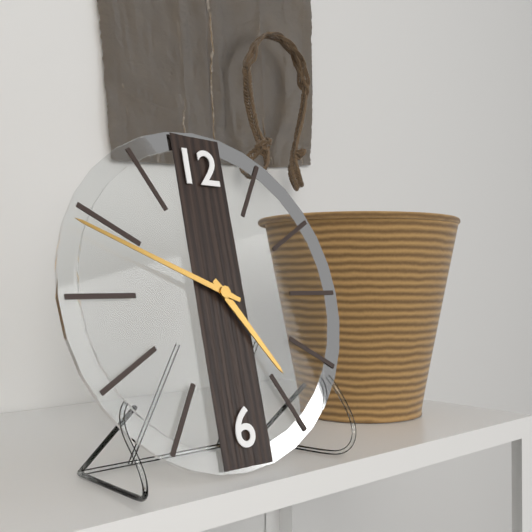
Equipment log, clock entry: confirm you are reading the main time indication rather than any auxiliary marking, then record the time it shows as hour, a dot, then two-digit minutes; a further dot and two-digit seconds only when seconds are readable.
4.49
